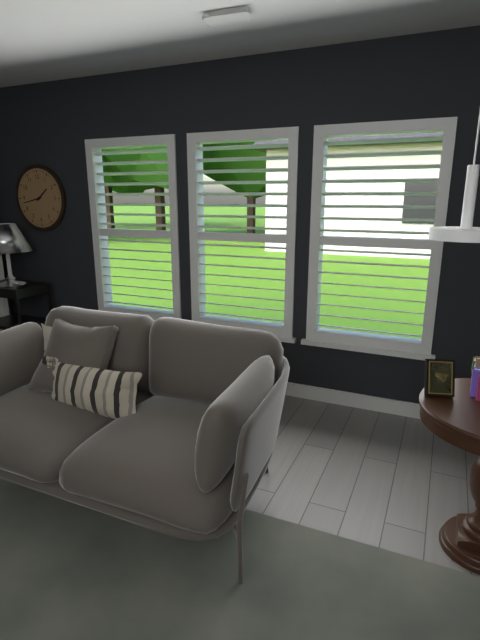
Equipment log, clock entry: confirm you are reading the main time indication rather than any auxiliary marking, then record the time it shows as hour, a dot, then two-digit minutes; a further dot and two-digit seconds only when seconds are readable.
1.43
